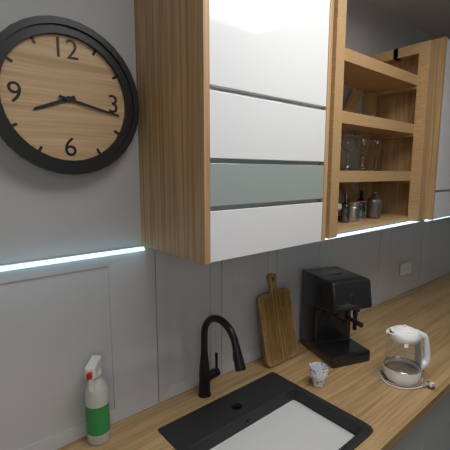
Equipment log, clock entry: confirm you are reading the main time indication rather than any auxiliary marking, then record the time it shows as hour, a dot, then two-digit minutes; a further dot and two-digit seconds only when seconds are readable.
8.17
